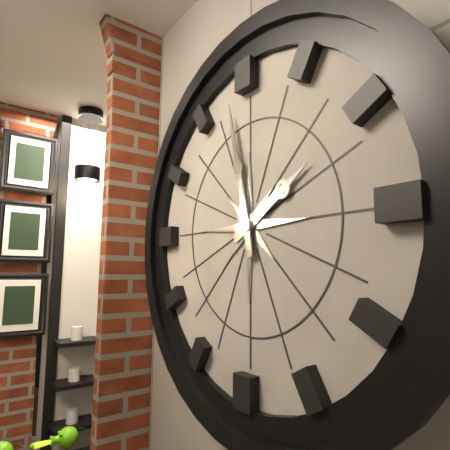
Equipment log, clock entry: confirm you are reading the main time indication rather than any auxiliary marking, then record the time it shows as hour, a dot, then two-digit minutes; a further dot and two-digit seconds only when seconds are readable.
1.58
